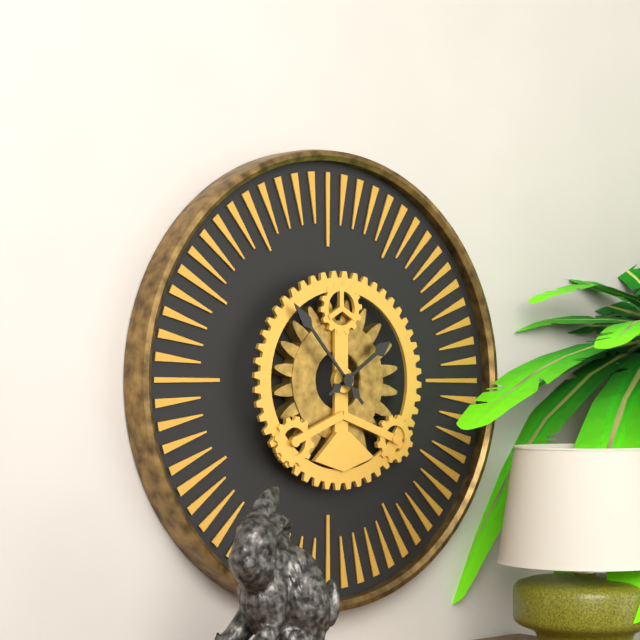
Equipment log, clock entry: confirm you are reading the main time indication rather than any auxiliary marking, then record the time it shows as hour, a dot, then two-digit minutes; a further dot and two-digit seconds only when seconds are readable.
1.53
